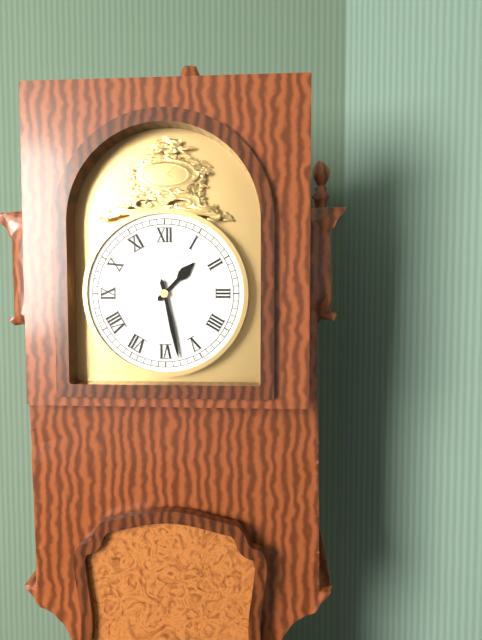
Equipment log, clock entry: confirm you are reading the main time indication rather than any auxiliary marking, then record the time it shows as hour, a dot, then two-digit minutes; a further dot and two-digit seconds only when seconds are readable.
1.28
